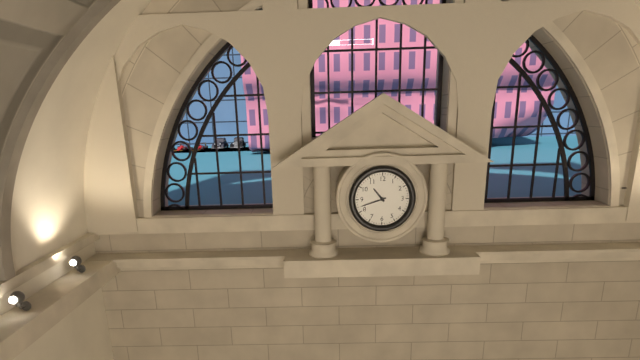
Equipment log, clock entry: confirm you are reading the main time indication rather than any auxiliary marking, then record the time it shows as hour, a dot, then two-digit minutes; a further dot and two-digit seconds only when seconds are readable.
10.42
